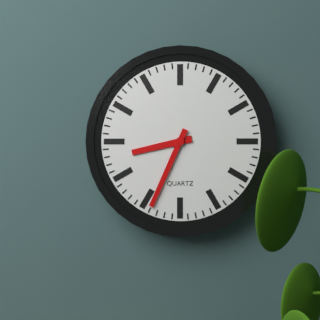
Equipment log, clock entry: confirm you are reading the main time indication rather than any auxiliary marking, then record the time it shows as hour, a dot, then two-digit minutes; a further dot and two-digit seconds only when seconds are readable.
8.34
